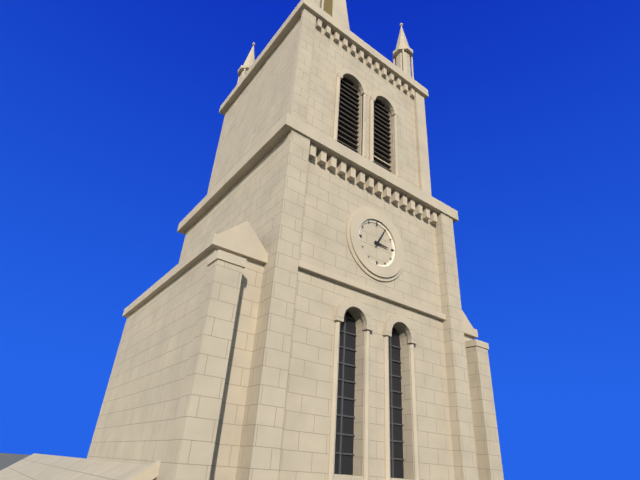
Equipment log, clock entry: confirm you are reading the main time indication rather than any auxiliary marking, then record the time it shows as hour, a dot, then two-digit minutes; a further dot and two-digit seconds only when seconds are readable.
3.05
